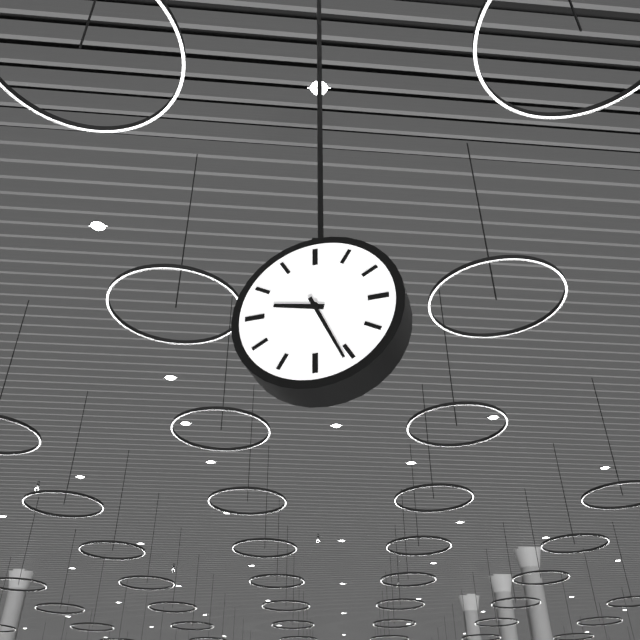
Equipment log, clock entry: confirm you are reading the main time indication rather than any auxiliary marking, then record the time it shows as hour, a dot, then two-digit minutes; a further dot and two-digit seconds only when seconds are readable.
9.26
